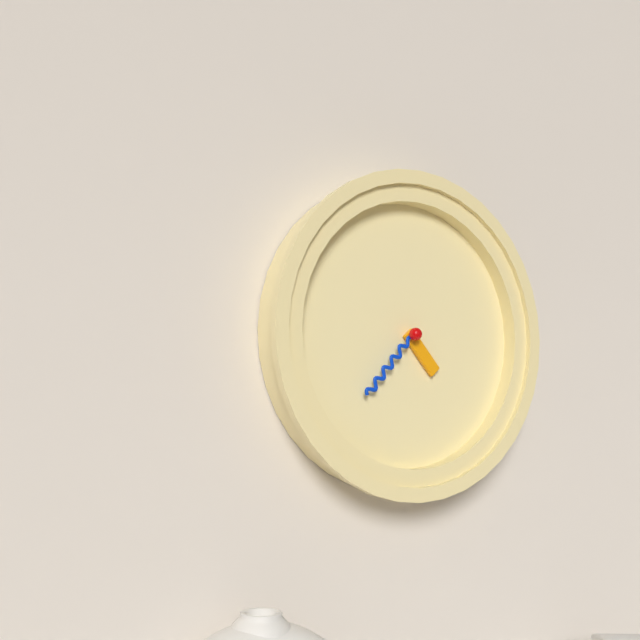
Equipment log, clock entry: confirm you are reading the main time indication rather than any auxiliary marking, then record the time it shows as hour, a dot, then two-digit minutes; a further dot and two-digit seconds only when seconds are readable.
4.37
